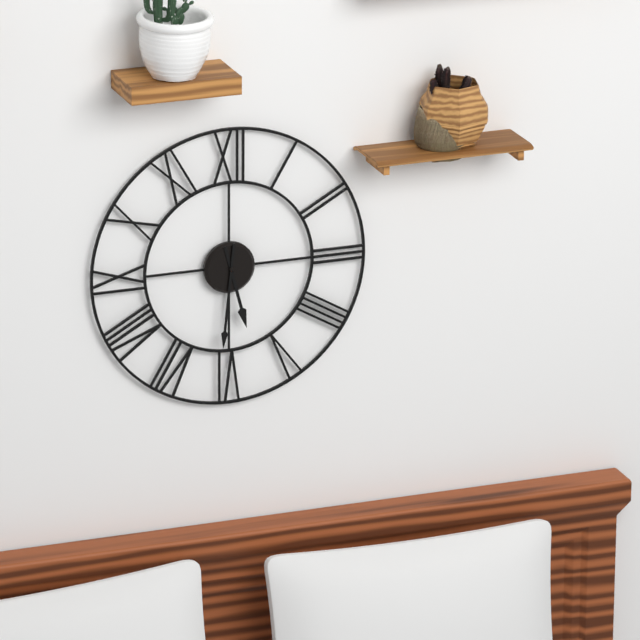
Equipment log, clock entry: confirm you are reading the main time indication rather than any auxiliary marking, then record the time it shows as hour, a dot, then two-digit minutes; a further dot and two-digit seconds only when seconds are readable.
5.31
